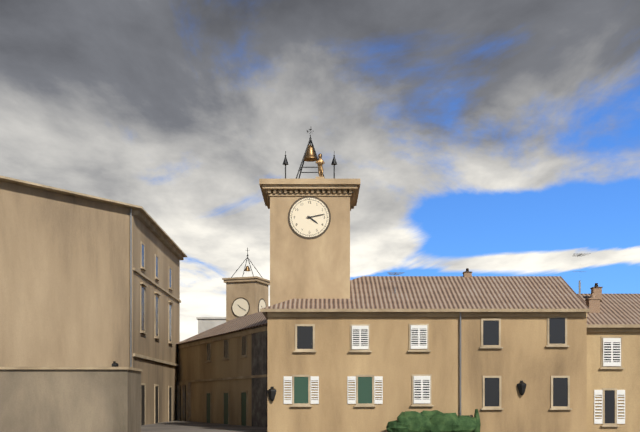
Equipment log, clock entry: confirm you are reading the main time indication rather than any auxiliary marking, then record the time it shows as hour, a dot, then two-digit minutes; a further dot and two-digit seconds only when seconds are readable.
4.13
